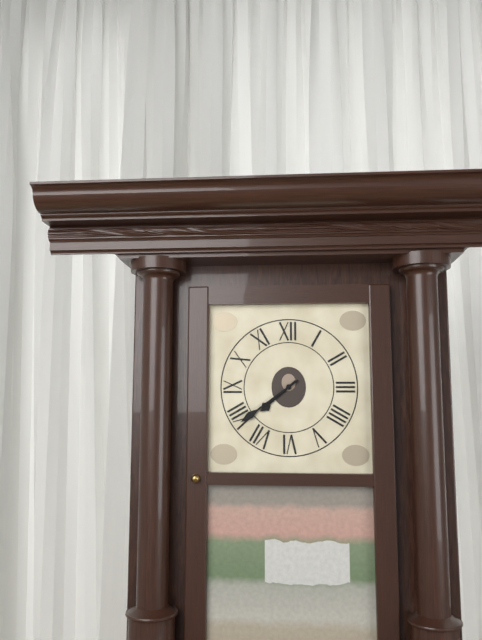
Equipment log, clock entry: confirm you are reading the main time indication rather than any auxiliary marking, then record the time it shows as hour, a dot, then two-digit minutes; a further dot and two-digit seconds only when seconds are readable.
7.39
